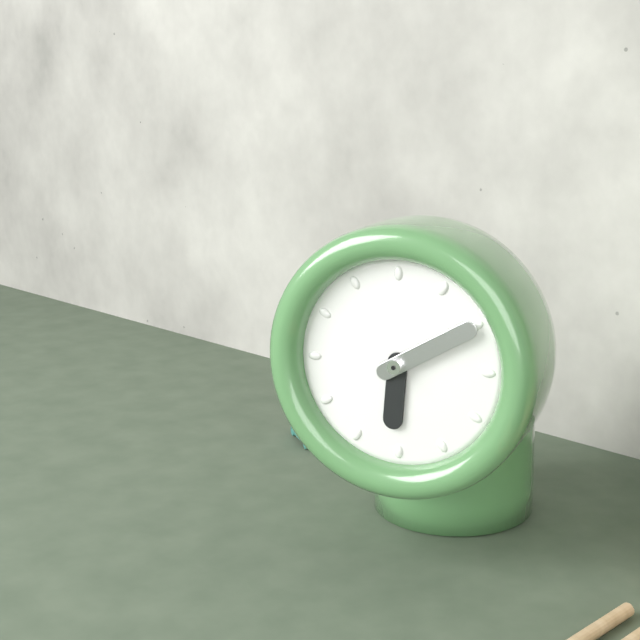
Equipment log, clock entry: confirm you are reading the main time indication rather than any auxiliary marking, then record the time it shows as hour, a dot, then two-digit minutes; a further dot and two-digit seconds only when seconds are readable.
6.10
